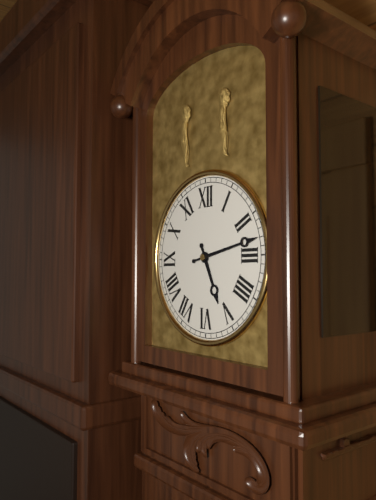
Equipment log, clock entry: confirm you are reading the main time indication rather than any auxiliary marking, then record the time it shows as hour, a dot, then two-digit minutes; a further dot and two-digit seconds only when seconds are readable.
5.13
